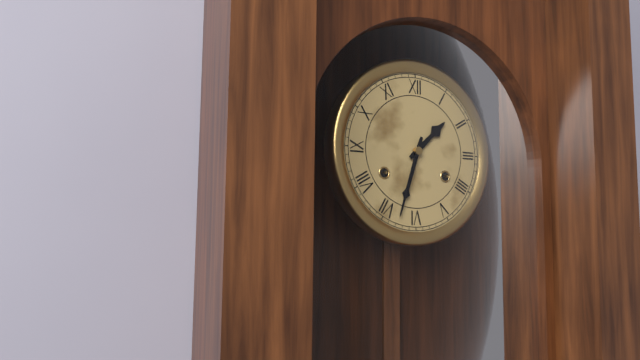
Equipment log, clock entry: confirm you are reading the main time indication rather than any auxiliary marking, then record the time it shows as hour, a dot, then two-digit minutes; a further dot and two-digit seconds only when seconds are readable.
1.33
